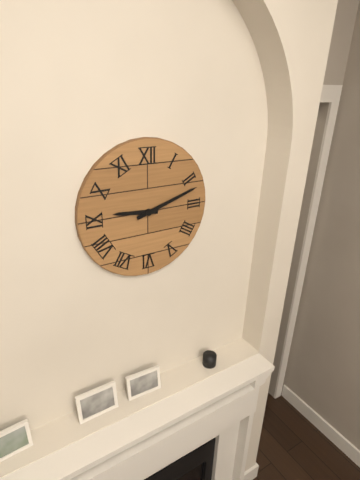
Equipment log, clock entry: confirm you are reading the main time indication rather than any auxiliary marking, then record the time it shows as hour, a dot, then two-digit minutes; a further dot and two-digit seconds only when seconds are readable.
9.12
